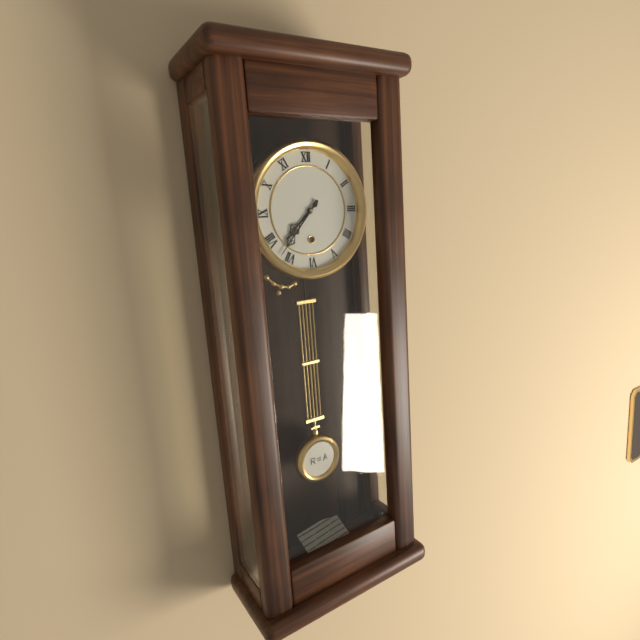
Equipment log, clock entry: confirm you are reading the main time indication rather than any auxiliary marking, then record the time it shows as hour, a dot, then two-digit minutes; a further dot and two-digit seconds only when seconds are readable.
7.37
